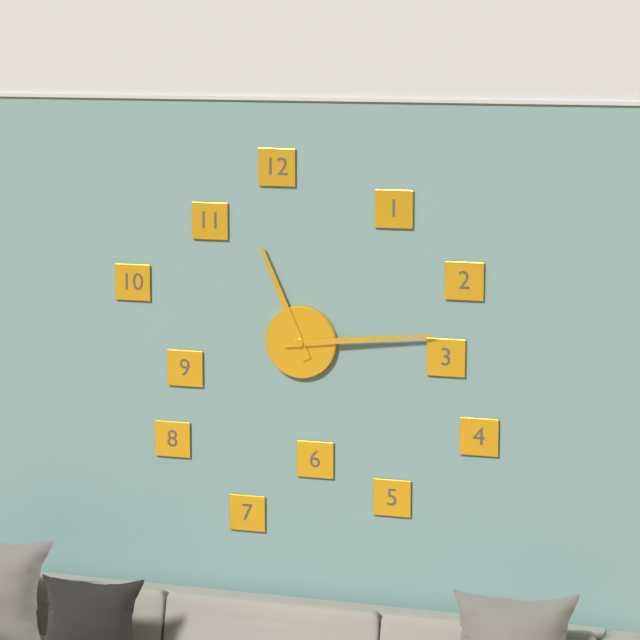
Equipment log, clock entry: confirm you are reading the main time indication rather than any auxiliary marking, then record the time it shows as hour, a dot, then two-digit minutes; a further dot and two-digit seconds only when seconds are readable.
11.14
